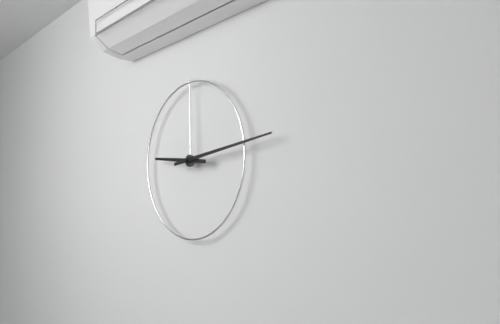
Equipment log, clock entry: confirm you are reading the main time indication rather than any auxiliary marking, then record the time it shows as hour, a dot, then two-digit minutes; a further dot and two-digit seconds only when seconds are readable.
9.14
